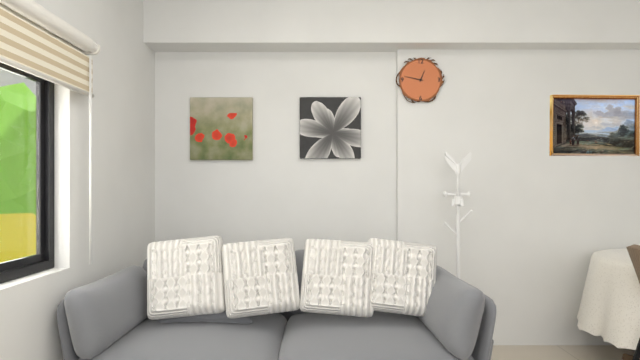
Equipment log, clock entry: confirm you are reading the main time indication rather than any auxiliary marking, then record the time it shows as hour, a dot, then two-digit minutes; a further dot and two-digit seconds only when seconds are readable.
12.47
